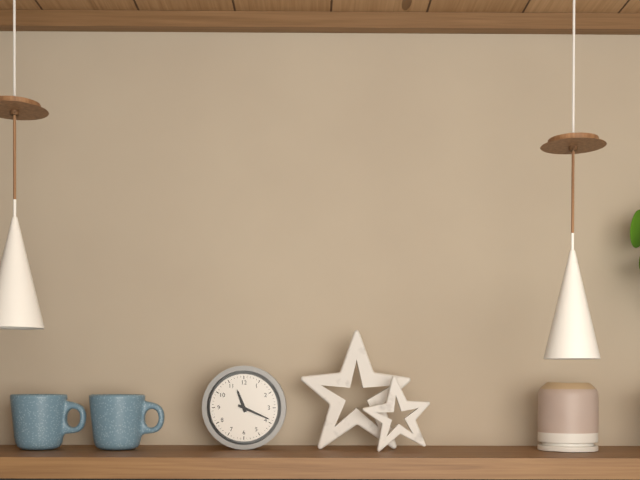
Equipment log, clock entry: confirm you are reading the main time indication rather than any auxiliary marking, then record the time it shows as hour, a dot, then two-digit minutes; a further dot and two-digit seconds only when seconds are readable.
11.19
